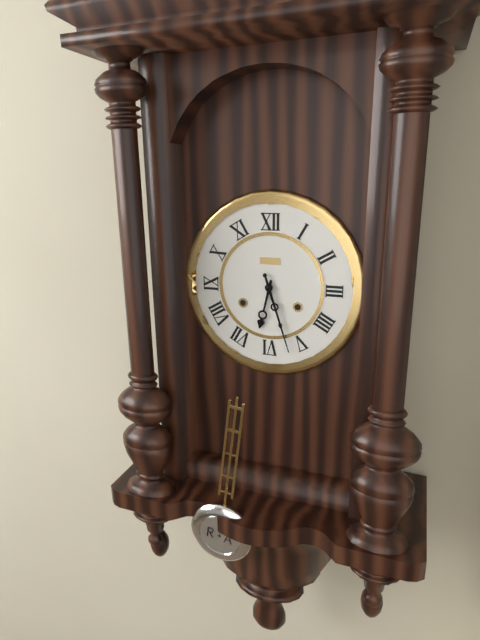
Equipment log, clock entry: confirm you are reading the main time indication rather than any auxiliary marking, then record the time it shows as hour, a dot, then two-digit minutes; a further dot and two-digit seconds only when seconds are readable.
6.27
